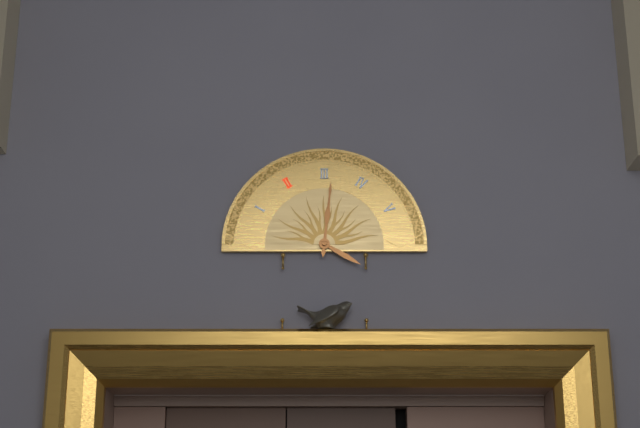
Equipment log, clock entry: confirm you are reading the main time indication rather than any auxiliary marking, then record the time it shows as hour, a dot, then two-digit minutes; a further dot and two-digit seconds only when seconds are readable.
4.01
